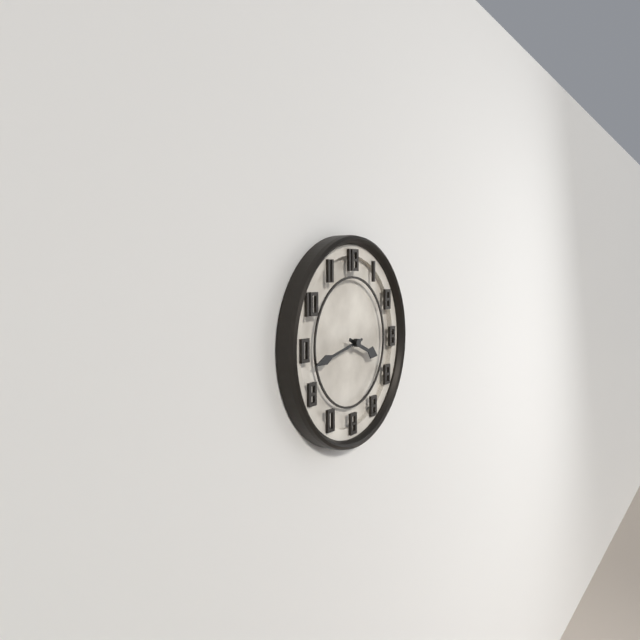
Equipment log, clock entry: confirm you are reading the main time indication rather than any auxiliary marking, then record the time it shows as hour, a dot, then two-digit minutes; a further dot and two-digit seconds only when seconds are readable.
3.43
